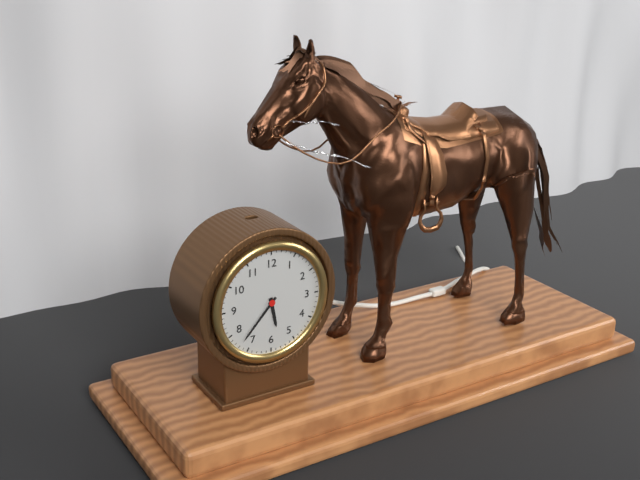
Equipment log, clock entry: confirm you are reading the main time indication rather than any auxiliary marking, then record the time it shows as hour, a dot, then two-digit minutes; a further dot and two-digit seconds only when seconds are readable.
5.37
